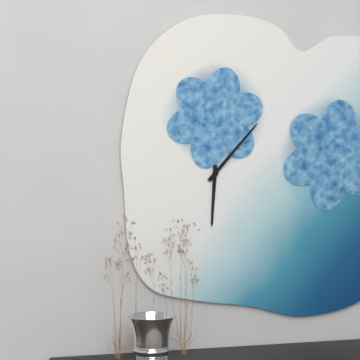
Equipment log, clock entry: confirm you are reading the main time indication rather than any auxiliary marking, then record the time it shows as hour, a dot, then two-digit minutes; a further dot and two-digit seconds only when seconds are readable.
6.07
